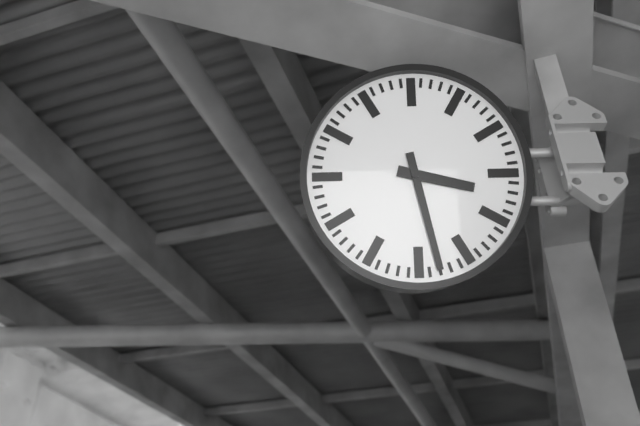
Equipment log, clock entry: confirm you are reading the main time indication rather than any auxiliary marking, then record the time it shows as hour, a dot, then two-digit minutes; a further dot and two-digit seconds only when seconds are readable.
3.28
